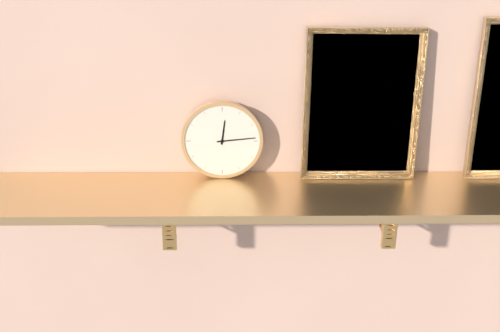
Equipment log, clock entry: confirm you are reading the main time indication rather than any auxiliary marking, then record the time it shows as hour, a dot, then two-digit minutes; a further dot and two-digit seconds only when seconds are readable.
12.14
